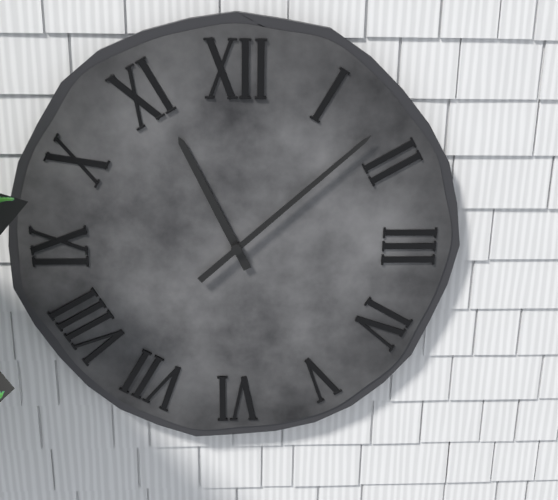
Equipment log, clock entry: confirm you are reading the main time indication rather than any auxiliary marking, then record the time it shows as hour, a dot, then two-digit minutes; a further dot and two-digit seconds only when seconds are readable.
11.08
